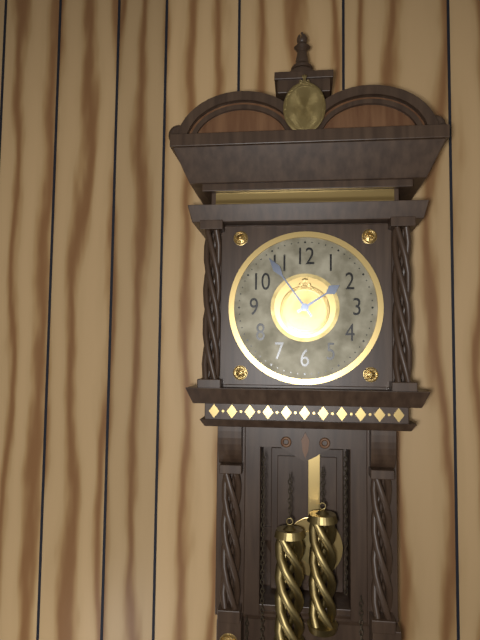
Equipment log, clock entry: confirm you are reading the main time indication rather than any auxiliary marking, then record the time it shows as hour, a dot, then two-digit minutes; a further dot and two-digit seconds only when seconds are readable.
1.54
